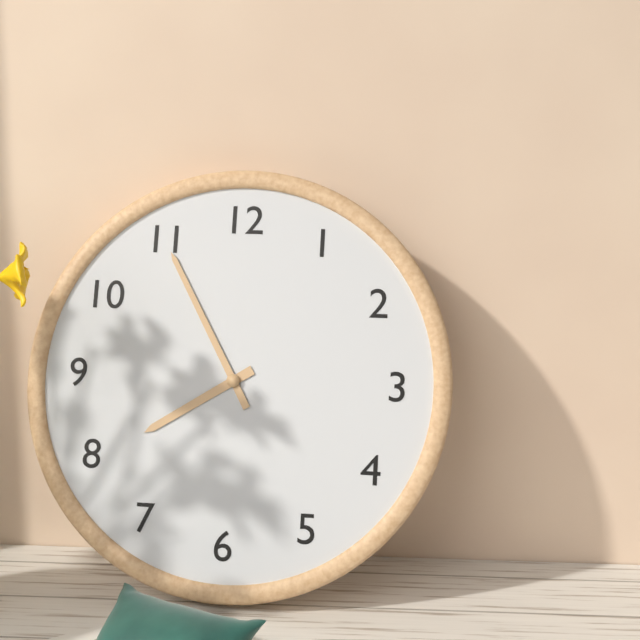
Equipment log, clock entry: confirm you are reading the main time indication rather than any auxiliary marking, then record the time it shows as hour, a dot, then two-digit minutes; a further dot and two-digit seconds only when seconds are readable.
7.55
